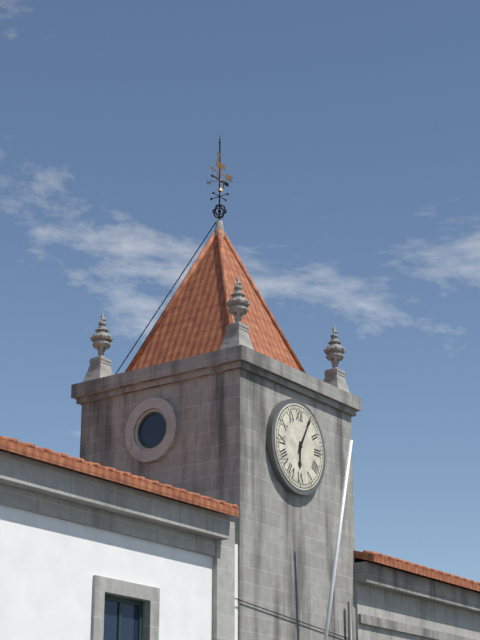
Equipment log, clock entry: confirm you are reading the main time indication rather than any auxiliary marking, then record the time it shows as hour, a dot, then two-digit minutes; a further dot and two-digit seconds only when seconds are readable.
6.05
